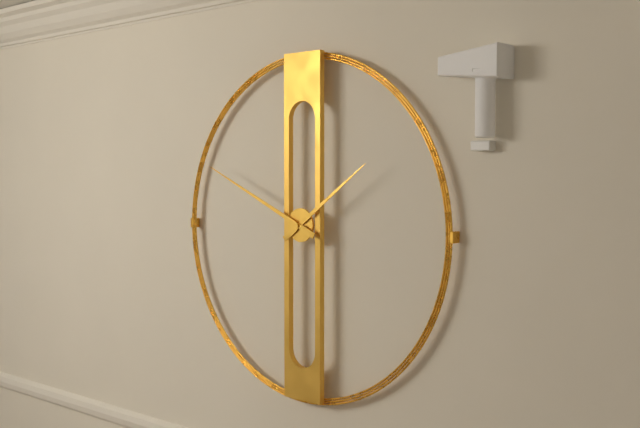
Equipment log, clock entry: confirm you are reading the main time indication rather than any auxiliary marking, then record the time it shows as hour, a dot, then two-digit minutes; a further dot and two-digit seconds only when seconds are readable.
1.49
